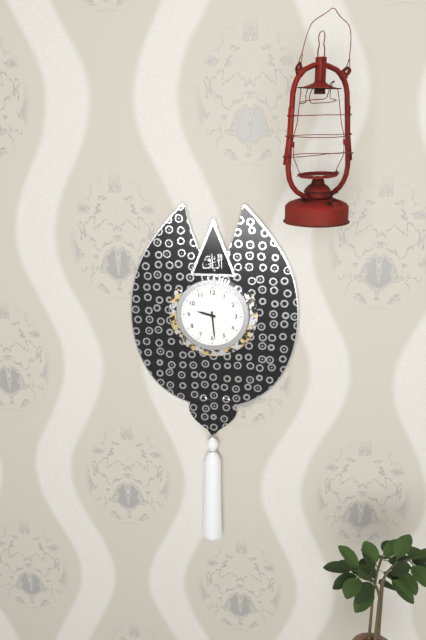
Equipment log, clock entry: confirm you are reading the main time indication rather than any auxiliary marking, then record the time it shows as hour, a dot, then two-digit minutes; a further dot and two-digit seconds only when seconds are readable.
9.29
